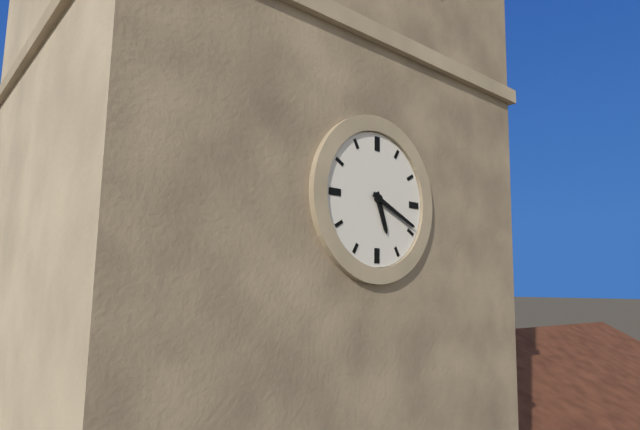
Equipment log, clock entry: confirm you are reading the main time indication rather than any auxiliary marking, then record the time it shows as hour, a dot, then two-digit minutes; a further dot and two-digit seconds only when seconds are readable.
5.19
